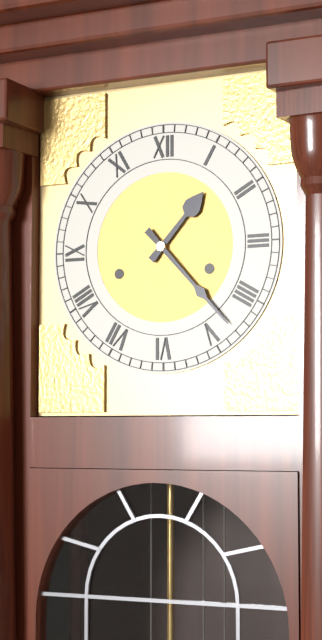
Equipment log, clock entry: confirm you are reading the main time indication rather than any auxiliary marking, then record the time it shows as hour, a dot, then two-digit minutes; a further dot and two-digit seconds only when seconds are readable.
1.23
